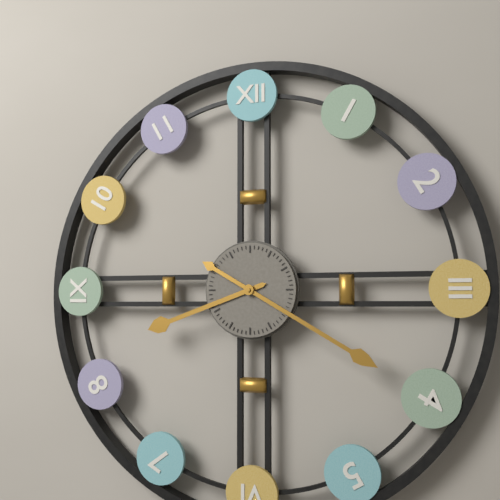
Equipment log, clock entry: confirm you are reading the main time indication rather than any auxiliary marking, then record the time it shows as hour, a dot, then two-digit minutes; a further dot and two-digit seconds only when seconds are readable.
8.20
